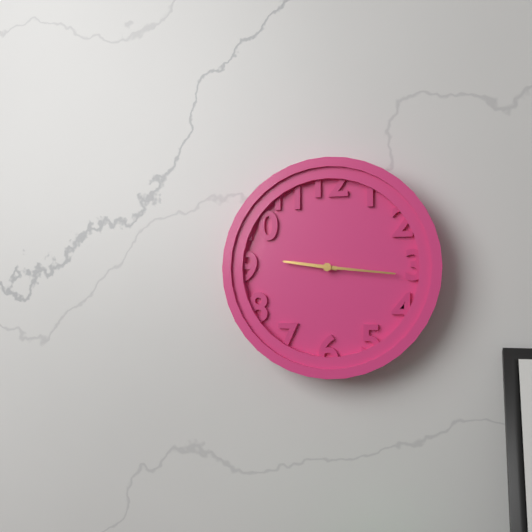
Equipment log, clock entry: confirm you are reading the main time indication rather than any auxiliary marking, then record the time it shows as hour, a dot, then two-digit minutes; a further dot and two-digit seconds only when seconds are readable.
9.16
